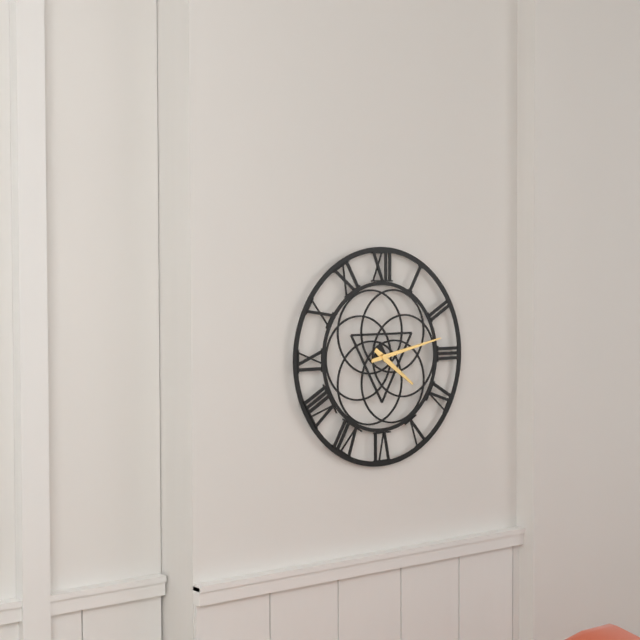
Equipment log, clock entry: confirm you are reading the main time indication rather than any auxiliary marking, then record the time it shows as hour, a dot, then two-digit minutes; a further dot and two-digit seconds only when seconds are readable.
4.13
